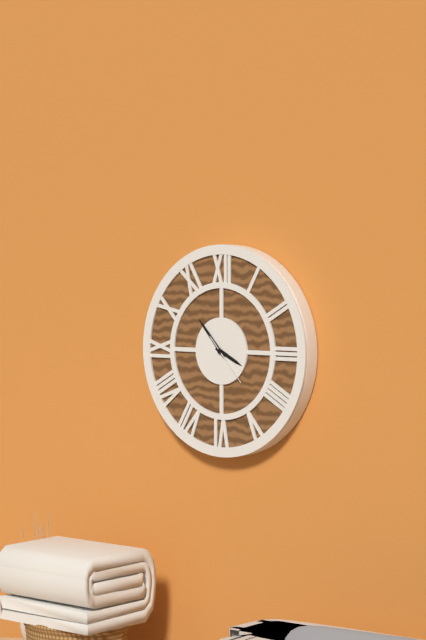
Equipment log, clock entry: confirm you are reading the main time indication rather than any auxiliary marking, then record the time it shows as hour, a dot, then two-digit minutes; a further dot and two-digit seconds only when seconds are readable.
3.53
